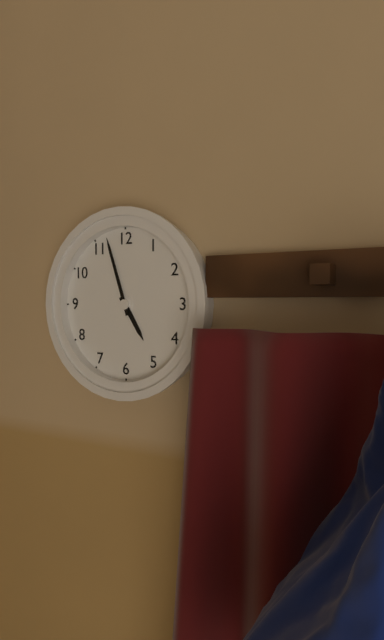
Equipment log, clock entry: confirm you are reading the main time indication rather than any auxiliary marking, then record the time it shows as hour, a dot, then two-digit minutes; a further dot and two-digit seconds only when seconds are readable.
4.57
